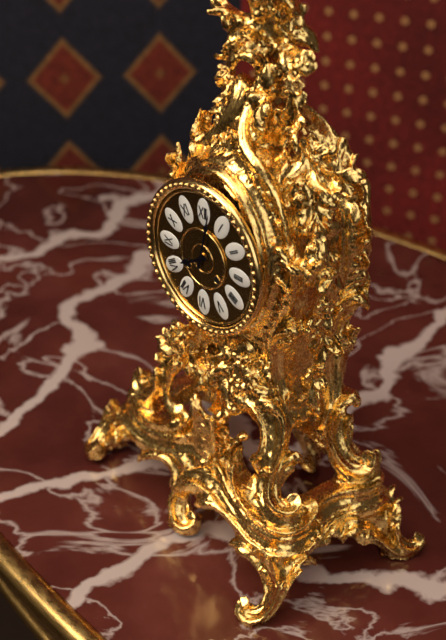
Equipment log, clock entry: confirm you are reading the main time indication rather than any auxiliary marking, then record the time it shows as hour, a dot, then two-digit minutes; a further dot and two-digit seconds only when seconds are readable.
8.02
